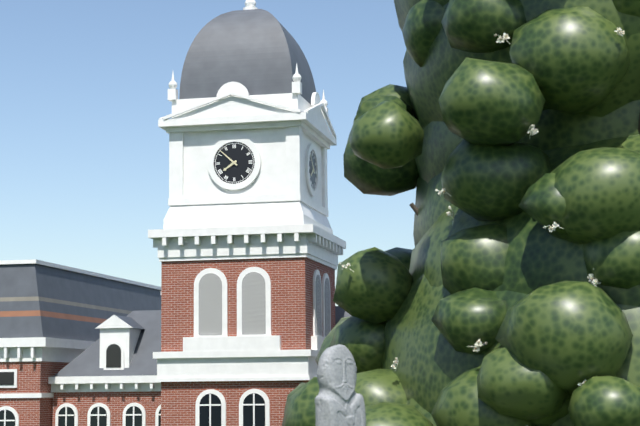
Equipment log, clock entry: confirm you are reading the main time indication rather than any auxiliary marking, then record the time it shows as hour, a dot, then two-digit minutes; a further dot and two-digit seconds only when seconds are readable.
7.52
